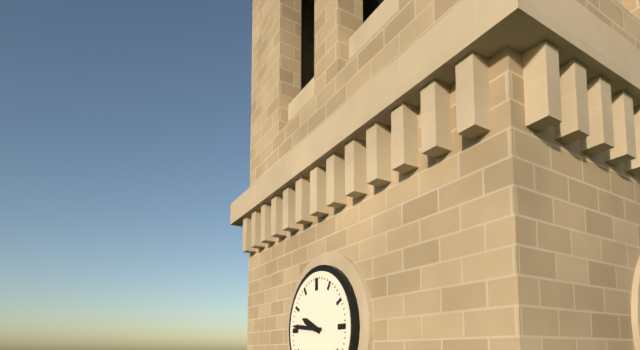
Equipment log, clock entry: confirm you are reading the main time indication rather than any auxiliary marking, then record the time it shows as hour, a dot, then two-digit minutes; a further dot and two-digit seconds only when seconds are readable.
9.46
